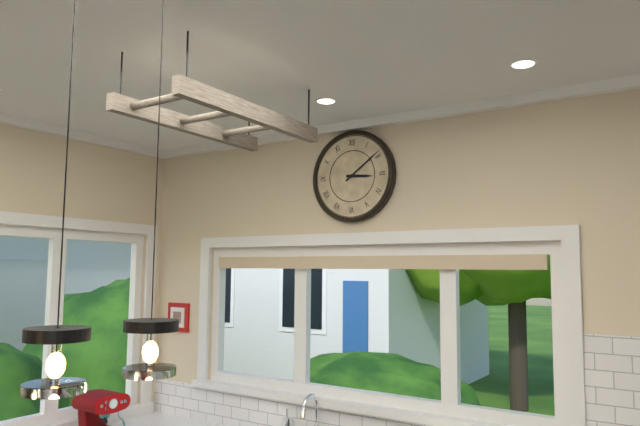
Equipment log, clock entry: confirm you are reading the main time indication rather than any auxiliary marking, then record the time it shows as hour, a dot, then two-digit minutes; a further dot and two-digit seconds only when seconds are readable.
3.09
